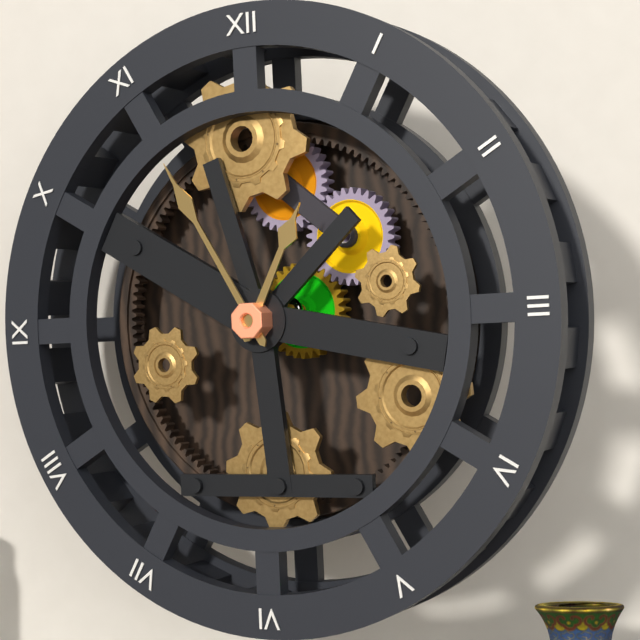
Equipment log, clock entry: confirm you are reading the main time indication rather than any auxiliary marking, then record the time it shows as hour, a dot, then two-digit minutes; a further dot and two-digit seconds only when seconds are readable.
12.55
